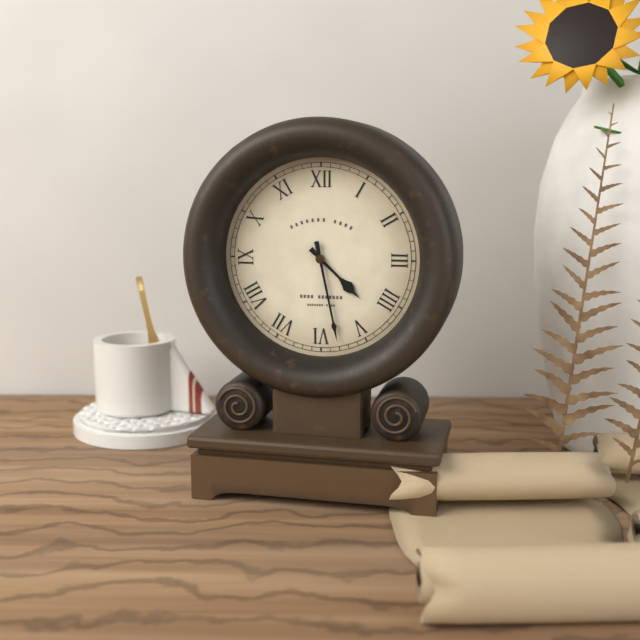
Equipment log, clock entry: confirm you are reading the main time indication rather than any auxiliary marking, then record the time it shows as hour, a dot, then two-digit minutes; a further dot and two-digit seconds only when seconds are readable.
4.28
